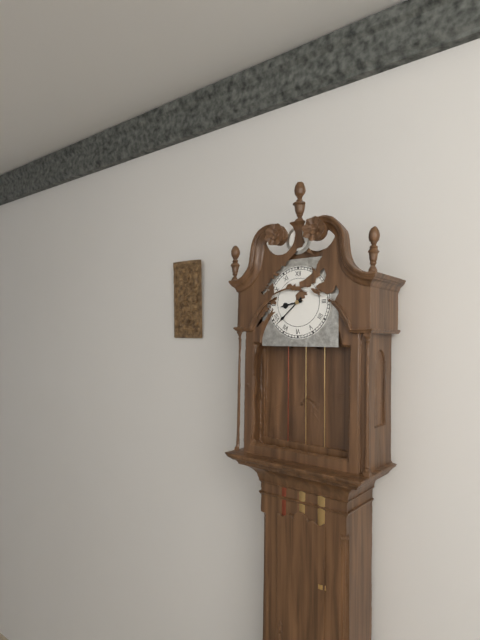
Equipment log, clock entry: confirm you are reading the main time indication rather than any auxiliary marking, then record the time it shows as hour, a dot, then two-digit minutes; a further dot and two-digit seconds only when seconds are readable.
8.38
